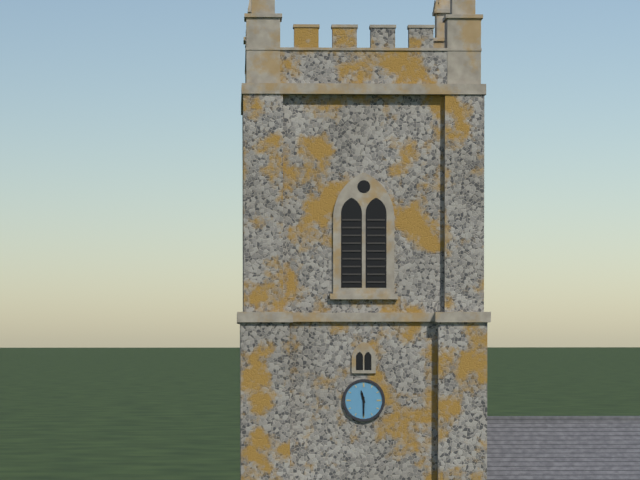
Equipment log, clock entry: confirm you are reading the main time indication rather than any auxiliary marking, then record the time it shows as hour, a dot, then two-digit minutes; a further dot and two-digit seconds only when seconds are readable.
11.30
